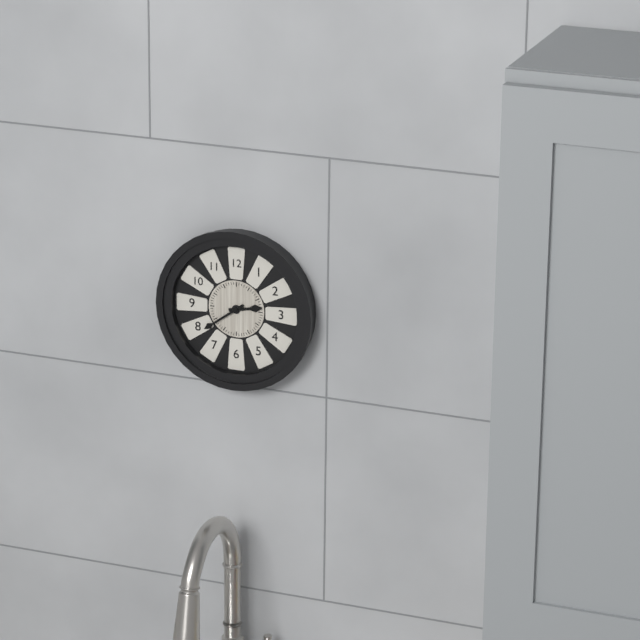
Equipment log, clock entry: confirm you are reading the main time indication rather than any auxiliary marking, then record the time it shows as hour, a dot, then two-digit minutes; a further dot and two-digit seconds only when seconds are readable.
2.39
